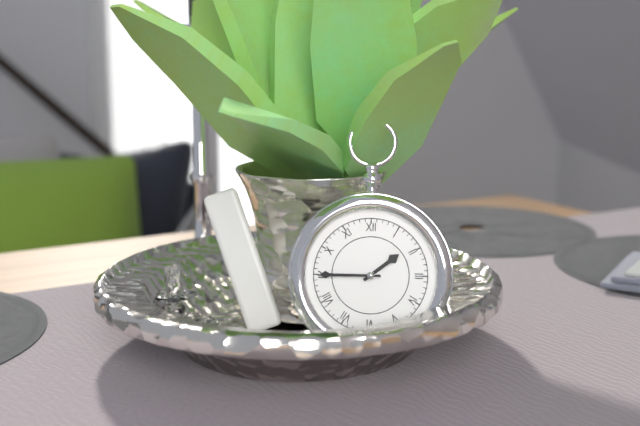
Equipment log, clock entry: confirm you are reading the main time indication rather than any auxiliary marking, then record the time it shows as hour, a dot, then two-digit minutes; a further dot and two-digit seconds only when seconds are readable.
1.45
